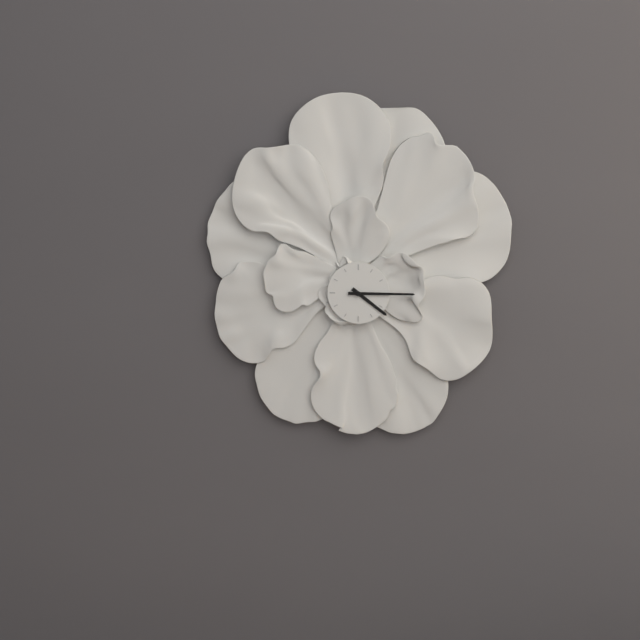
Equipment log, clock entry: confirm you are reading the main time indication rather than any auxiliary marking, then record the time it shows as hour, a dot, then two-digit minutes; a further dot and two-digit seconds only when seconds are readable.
4.15
